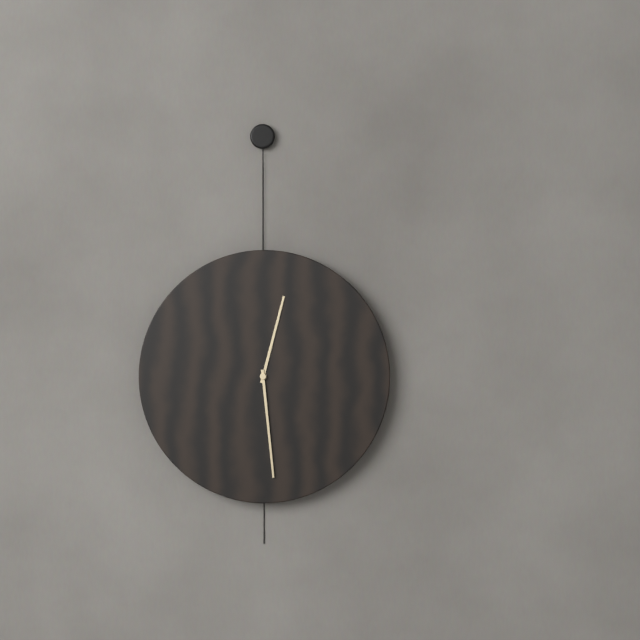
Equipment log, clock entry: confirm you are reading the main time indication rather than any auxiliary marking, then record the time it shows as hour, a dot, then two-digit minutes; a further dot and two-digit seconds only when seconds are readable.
12.29
